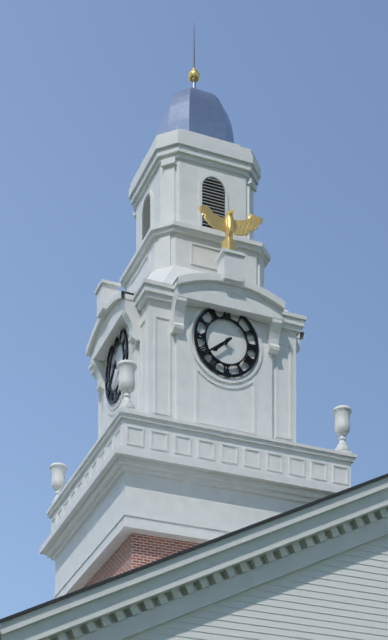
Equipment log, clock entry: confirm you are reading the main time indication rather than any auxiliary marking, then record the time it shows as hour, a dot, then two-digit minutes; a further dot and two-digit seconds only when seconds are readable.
7.39
